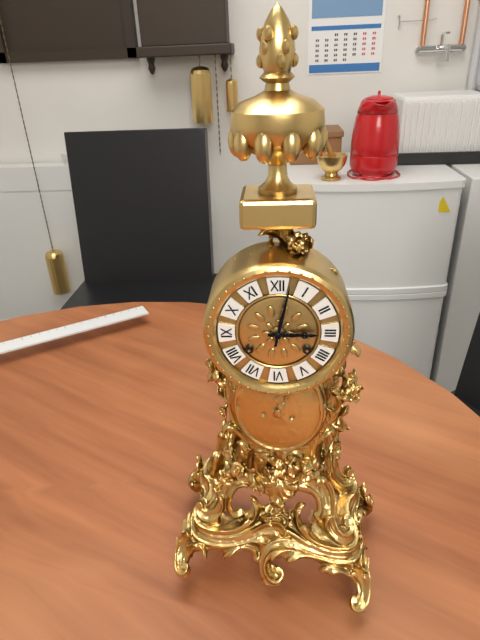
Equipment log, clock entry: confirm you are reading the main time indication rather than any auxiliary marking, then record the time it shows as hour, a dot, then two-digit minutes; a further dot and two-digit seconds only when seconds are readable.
3.02
